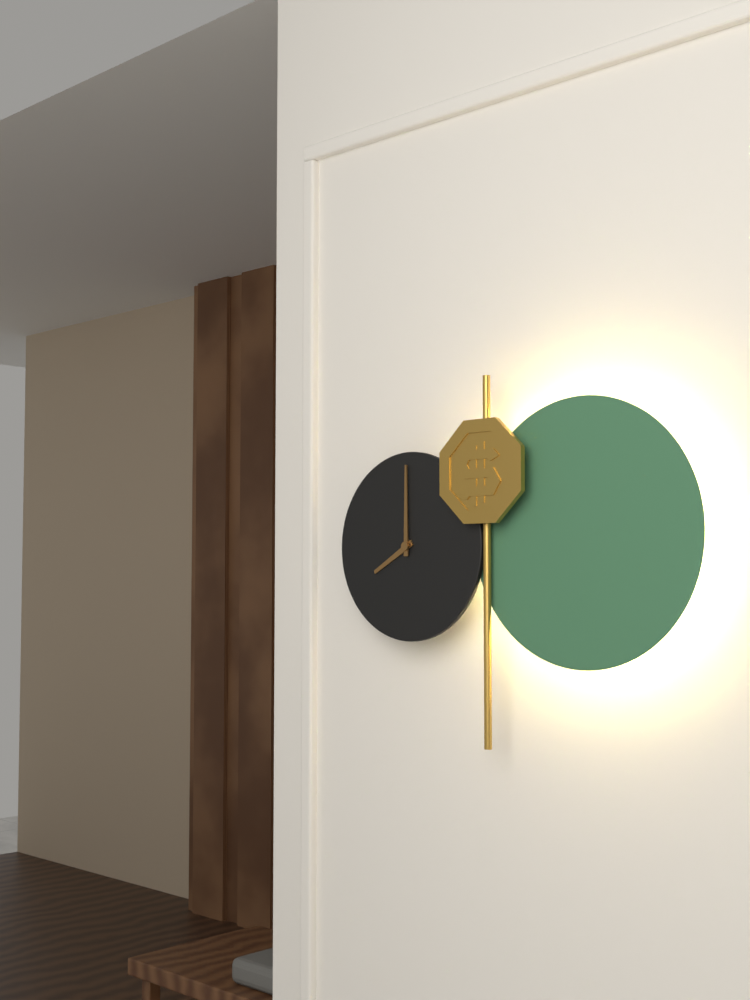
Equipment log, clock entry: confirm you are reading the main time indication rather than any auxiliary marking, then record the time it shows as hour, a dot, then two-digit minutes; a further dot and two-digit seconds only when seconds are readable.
8.00
